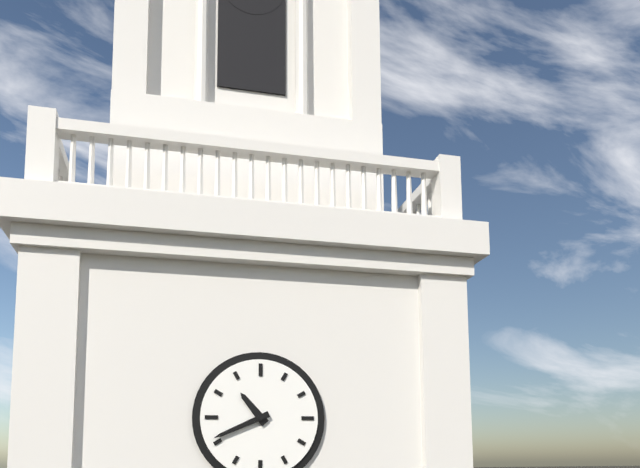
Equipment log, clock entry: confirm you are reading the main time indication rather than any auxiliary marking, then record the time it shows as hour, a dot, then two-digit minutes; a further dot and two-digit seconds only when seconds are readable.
10.41
